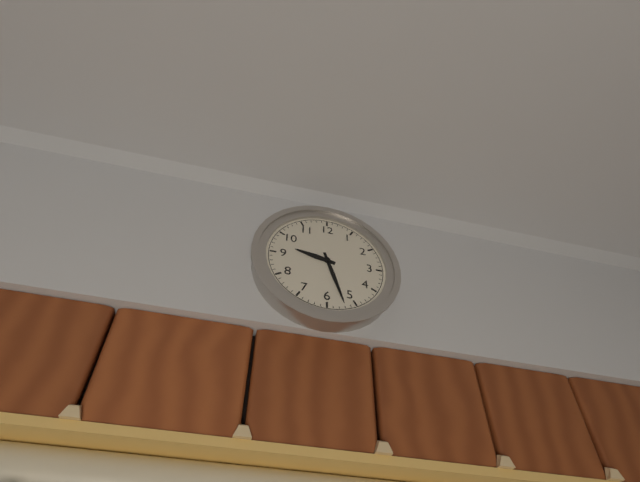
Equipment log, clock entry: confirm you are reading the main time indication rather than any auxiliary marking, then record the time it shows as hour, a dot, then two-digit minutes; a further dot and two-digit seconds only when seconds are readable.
9.27
